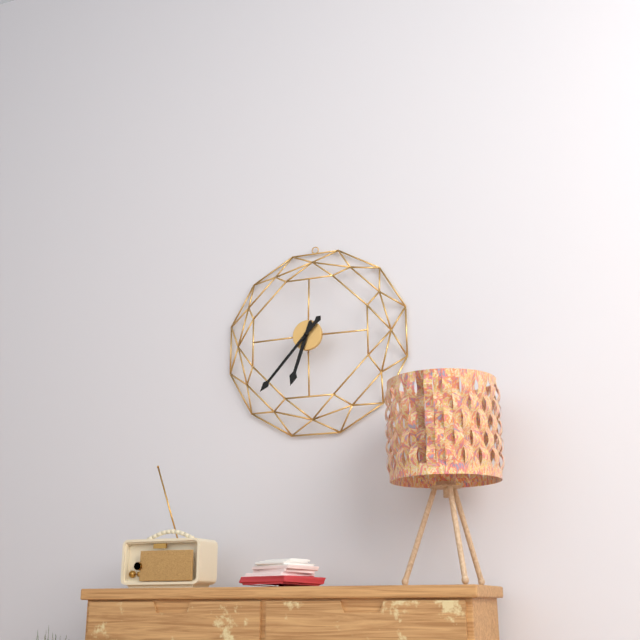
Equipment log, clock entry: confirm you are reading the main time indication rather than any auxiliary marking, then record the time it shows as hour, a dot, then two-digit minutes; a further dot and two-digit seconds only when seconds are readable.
6.37
